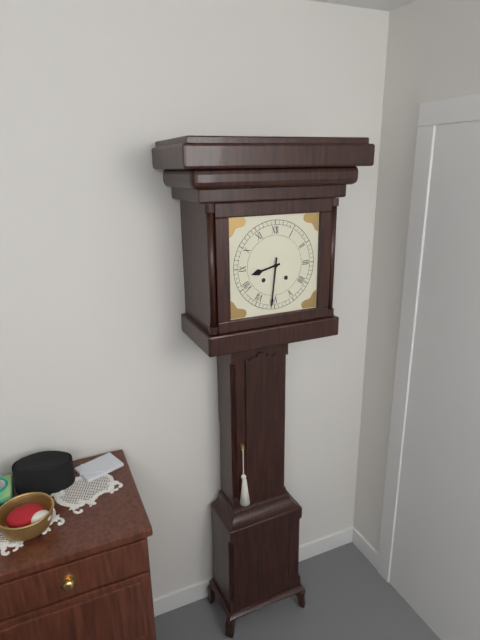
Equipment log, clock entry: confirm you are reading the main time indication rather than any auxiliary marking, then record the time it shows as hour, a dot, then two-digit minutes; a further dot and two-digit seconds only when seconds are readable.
8.31
